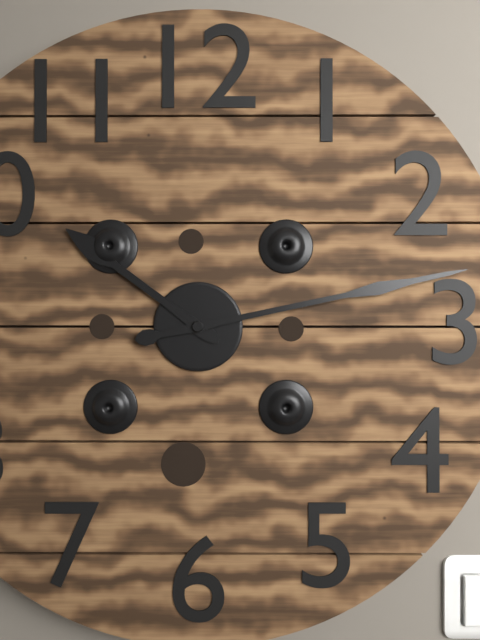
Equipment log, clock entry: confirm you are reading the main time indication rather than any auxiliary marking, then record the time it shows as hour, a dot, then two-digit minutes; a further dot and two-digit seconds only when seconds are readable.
10.13
